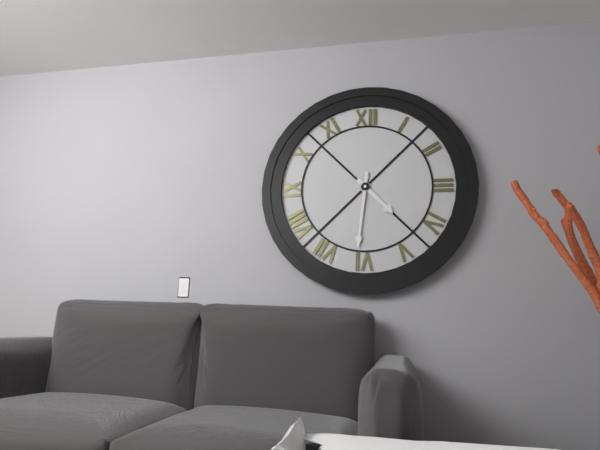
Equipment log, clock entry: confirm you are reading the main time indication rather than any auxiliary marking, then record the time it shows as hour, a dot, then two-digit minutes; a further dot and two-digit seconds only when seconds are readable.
4.31
